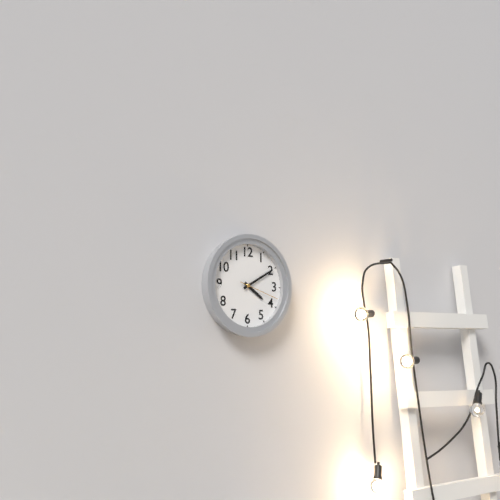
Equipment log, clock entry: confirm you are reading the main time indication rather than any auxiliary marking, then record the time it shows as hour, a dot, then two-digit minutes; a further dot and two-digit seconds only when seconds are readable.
4.10
